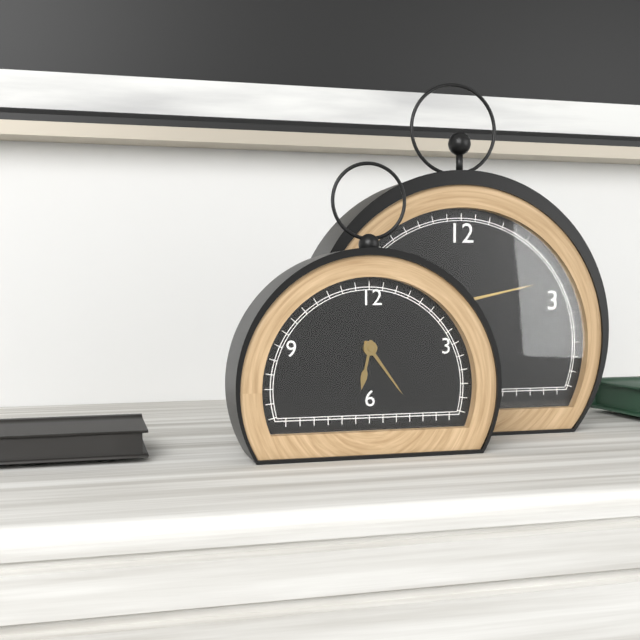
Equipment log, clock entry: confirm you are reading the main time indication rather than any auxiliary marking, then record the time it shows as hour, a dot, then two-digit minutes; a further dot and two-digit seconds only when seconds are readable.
6.24
